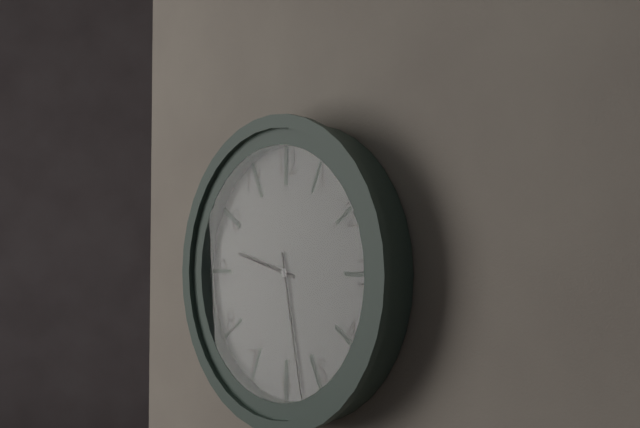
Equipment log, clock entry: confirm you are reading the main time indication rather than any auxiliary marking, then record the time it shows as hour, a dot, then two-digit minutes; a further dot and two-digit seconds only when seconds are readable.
9.28
